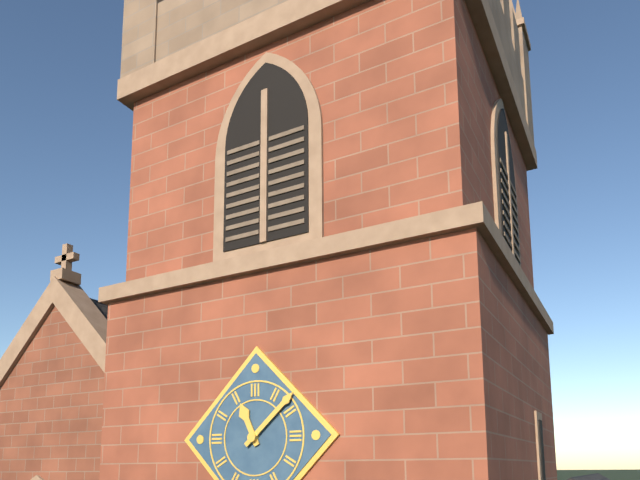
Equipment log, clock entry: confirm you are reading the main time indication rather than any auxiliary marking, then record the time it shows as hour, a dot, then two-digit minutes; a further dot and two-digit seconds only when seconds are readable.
11.08
